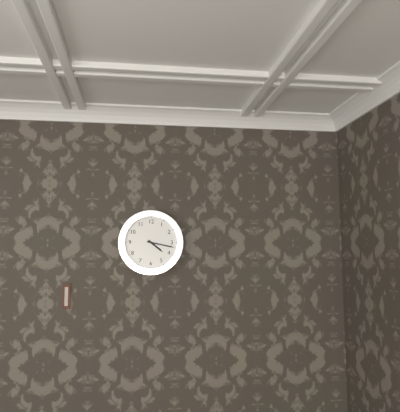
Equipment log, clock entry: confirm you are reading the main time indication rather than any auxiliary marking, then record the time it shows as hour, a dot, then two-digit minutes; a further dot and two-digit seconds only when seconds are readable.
4.17
